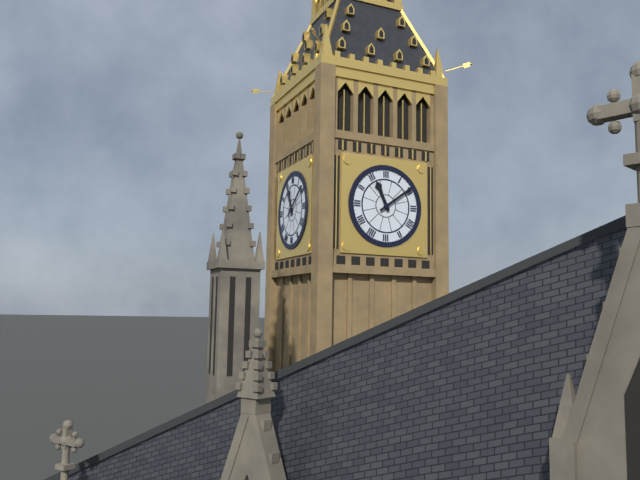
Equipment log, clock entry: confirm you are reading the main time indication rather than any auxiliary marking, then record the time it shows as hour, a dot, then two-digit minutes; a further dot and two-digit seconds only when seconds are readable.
11.09
